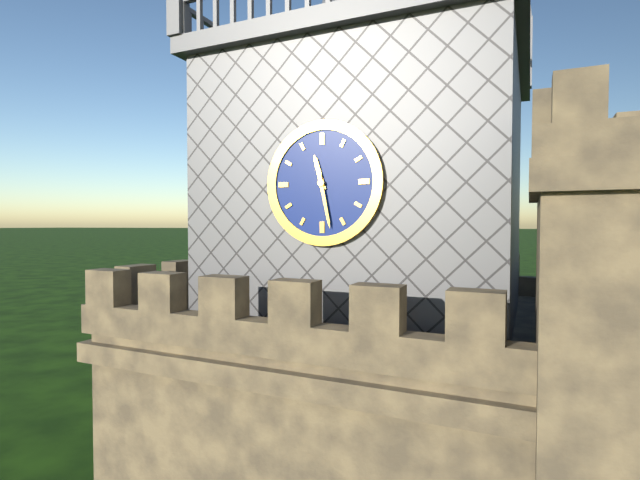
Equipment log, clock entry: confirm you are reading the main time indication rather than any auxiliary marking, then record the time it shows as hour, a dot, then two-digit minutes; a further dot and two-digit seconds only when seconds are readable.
11.28
